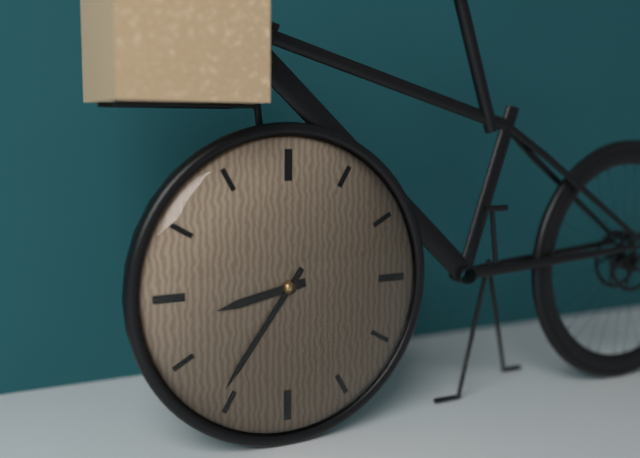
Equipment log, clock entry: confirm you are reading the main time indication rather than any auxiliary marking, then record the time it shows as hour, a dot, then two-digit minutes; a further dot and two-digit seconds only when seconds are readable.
8.36
